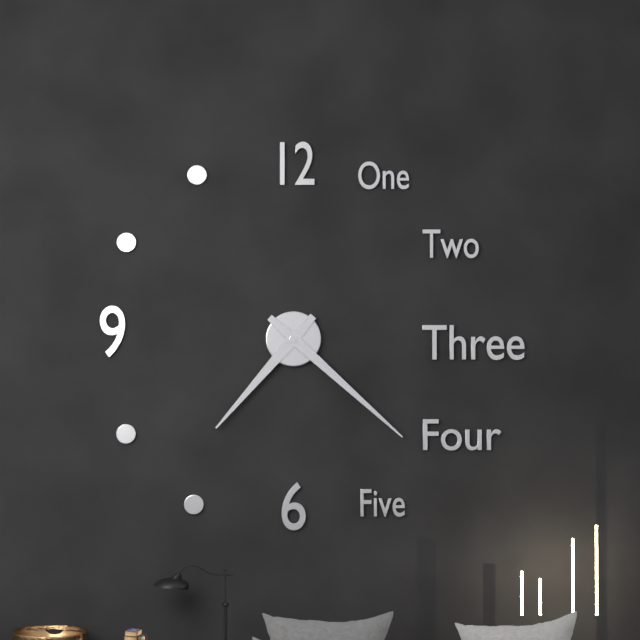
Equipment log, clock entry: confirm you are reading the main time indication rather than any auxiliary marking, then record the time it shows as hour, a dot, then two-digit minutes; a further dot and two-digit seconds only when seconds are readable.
7.22
